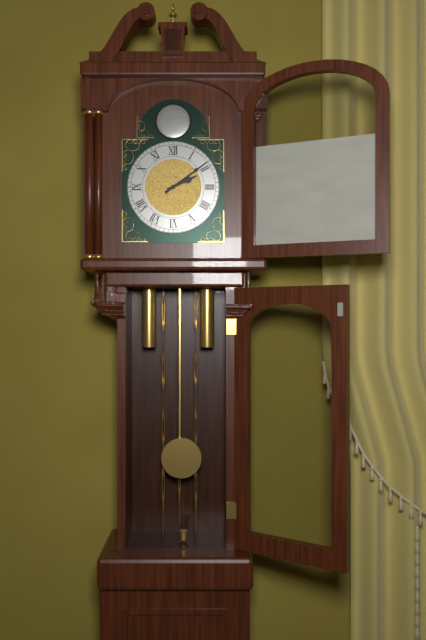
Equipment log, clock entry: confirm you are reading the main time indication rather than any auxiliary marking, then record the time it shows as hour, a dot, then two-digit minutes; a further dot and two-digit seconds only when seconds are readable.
2.09
